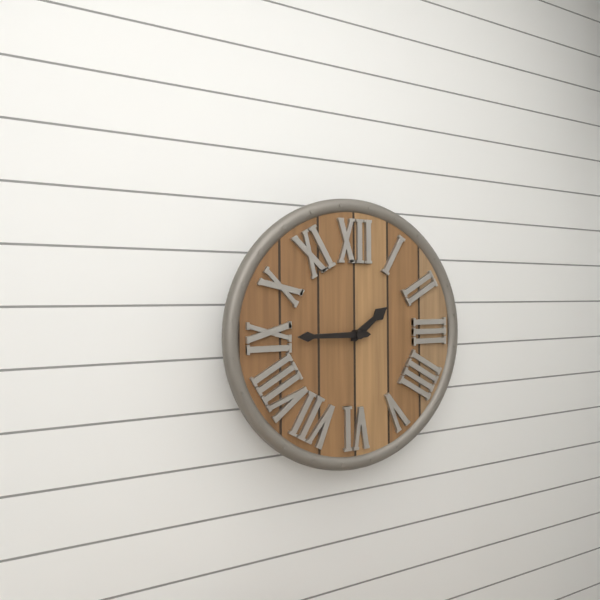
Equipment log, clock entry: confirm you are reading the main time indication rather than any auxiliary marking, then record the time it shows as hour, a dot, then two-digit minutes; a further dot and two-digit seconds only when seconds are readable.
1.45
